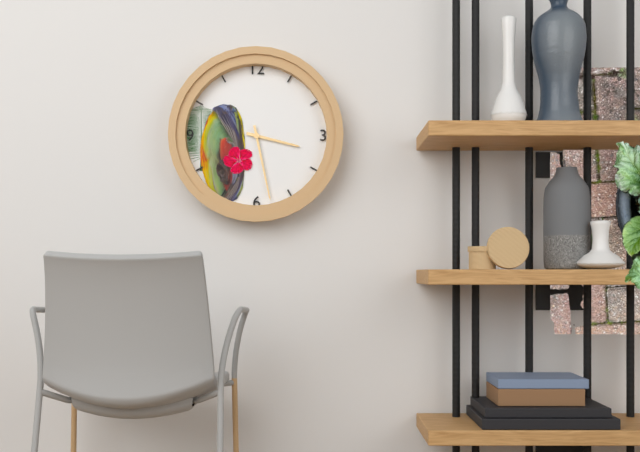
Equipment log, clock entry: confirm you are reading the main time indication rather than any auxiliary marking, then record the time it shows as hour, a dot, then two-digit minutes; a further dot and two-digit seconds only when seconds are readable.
3.28
